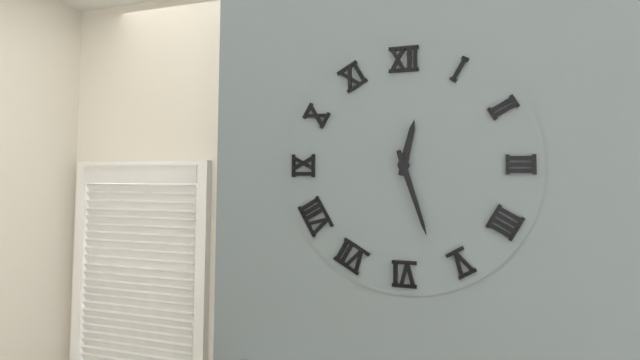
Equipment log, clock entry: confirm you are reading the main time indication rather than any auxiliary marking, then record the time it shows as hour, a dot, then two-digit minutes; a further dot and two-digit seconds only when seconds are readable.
12.27
